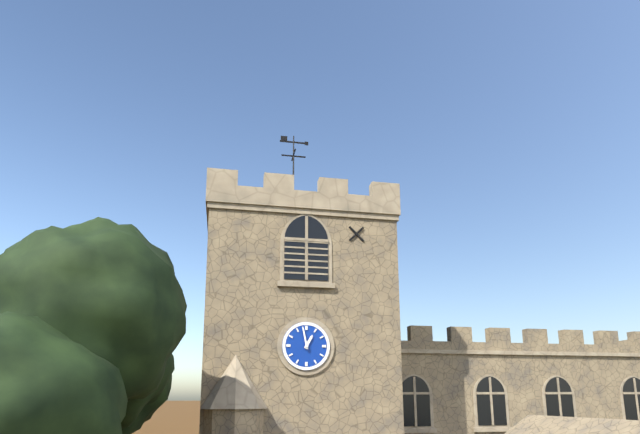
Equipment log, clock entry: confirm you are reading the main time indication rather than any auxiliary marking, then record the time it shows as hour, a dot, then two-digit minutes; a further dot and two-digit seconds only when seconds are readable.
12.58
